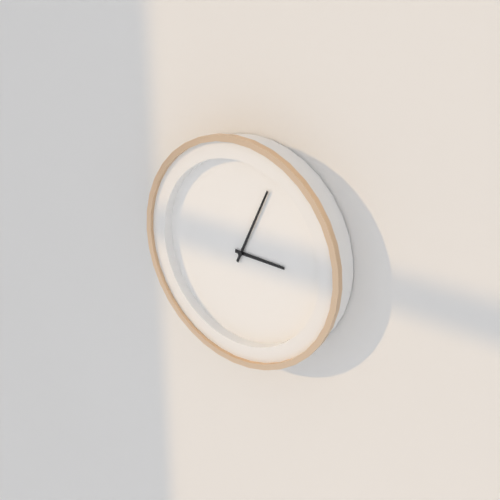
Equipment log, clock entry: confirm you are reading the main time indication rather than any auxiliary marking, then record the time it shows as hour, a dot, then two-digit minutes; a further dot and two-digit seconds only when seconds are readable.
3.04
